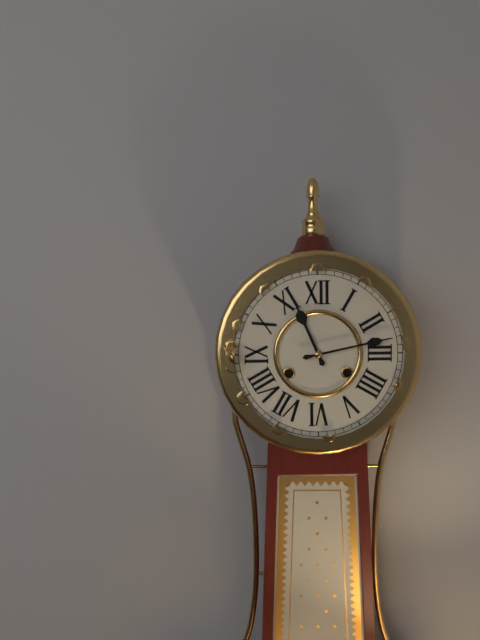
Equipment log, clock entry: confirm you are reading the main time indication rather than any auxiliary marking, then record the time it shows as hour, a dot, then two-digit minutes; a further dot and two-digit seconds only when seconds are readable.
11.13
